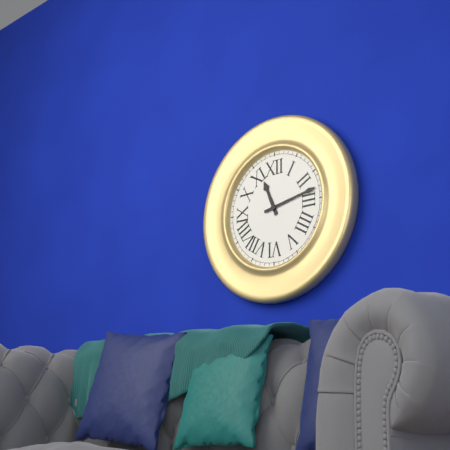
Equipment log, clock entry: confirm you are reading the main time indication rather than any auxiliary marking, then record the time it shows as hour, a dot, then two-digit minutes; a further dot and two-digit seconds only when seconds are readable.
11.13
